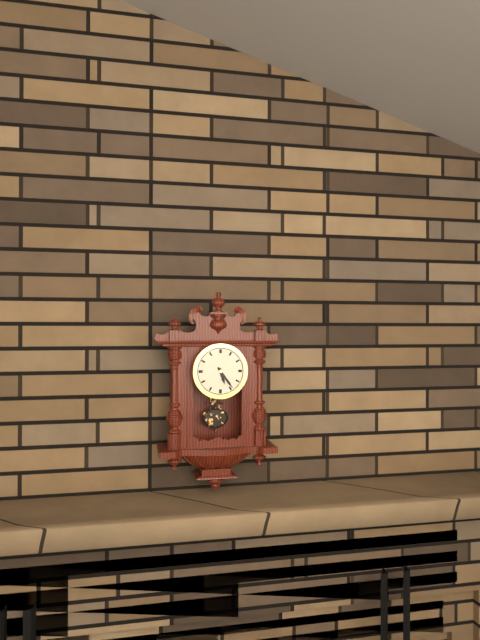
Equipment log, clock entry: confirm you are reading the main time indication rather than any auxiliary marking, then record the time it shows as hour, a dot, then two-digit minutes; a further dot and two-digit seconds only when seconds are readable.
5.24
